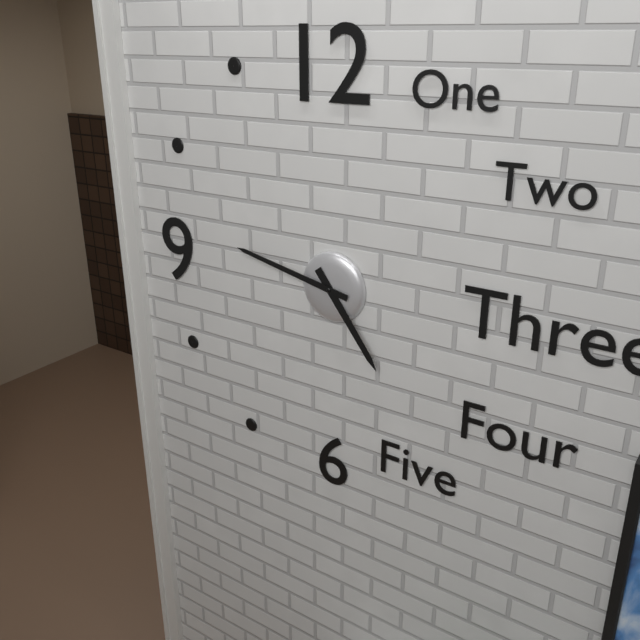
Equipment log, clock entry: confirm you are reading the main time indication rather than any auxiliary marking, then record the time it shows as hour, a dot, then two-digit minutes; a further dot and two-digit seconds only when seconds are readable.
4.47
